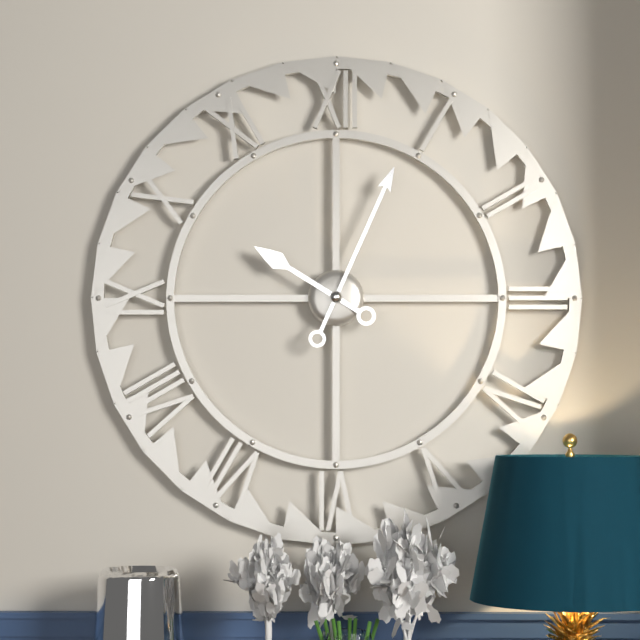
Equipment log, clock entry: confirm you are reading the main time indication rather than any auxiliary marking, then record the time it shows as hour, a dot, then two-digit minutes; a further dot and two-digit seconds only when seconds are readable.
10.04
